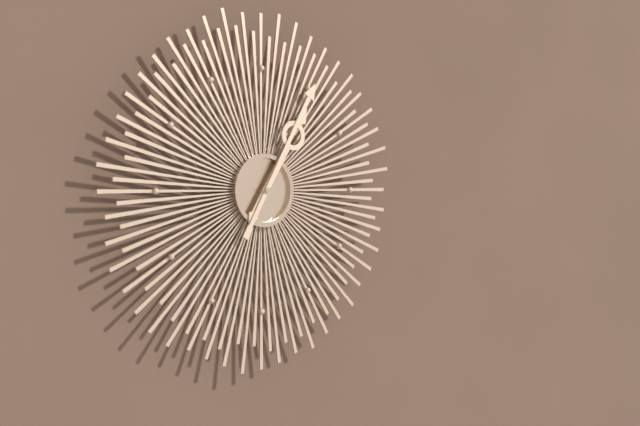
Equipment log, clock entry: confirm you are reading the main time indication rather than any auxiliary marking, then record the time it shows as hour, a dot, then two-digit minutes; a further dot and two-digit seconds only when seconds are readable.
1.05
